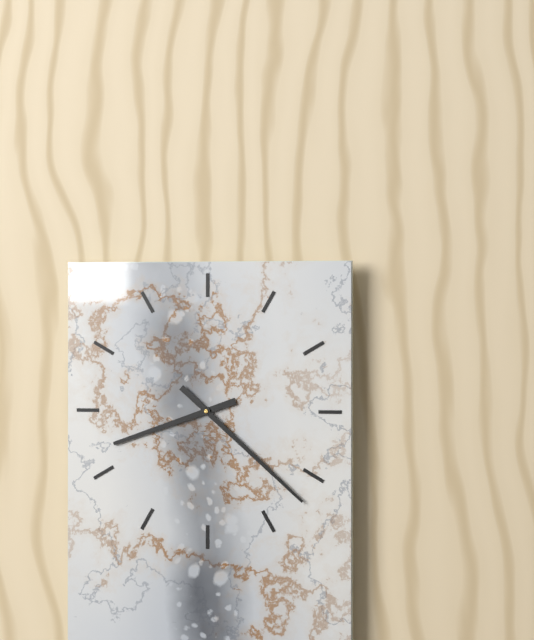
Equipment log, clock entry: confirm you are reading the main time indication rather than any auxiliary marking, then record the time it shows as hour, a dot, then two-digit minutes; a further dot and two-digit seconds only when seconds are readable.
8.22
